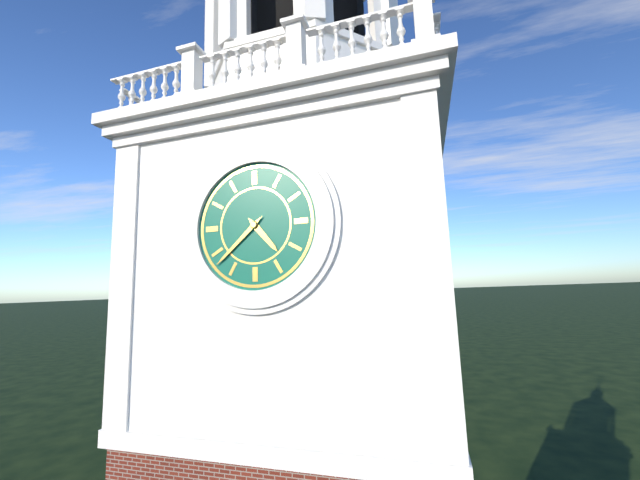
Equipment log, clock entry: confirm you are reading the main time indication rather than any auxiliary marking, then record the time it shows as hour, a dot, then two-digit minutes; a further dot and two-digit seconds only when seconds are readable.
4.38
